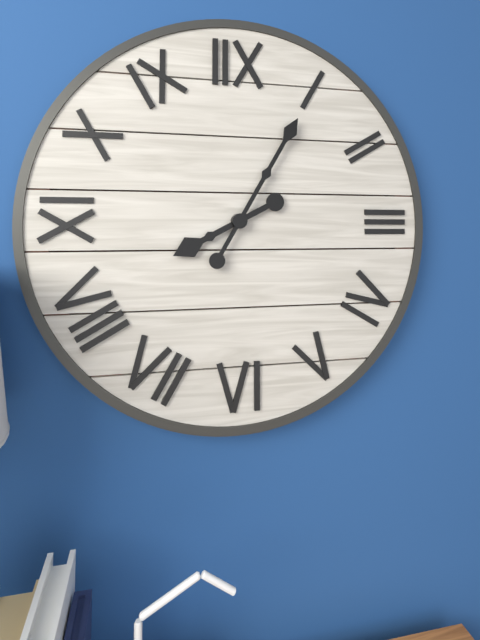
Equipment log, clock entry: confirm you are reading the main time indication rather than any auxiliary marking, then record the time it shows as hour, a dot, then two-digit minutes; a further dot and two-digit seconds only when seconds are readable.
8.05
